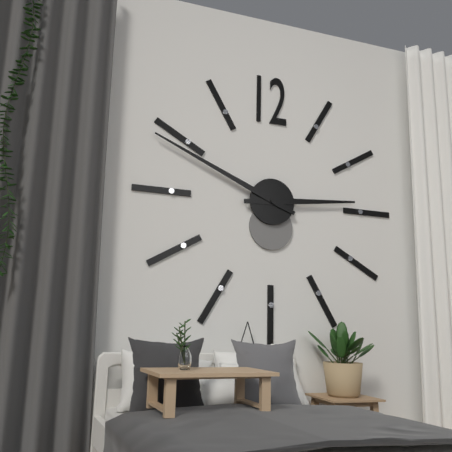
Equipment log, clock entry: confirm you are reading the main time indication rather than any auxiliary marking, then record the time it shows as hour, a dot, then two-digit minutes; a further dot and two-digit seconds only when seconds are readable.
2.49
